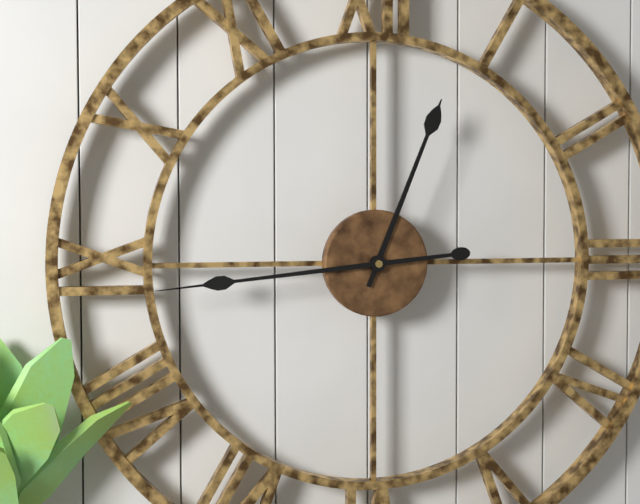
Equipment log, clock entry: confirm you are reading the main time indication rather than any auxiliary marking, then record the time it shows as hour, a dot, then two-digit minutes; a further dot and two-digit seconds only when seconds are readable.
12.44
